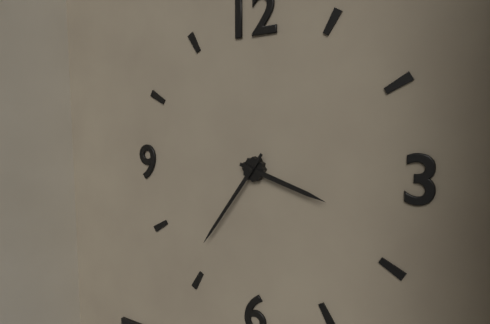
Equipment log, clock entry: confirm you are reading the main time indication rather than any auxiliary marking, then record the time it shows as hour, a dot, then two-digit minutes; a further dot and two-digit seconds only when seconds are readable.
3.36
